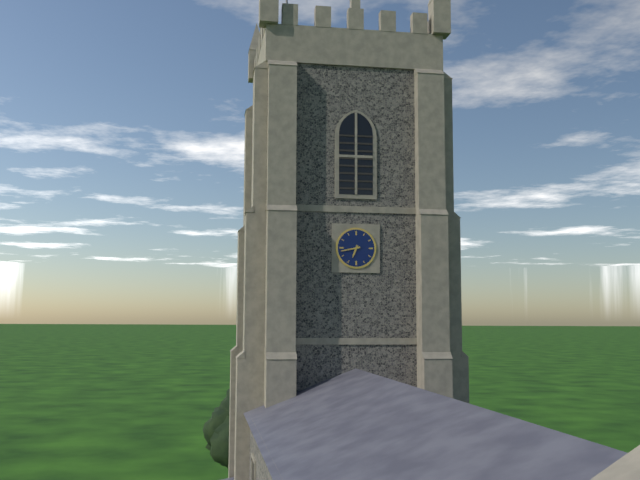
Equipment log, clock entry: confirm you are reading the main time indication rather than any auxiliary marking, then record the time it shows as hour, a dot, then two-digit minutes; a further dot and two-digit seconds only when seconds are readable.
6.43
